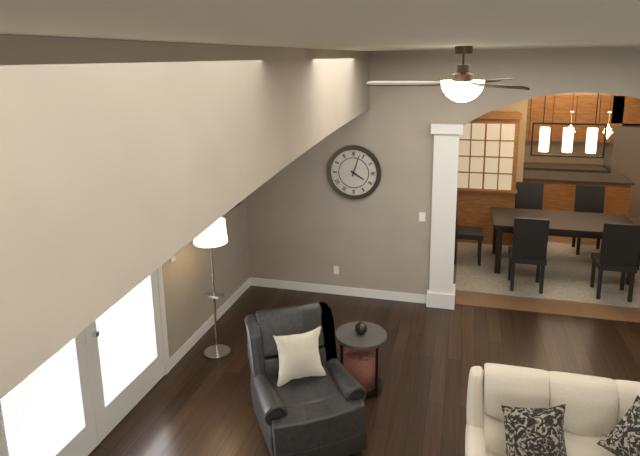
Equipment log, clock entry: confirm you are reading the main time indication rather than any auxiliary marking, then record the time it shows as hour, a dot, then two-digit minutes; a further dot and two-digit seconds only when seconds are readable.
4.03
